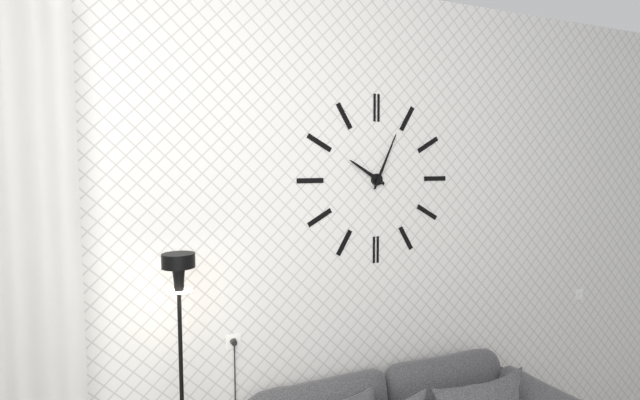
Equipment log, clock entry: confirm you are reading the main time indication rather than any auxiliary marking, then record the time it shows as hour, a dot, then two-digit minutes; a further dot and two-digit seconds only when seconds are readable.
10.04
